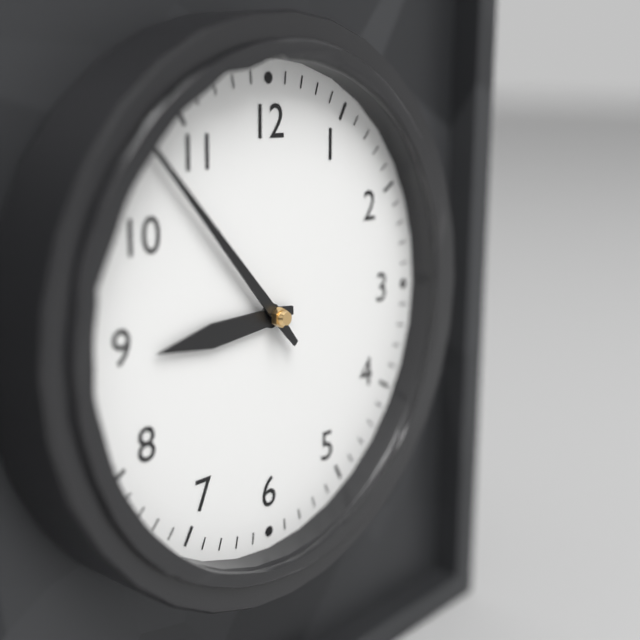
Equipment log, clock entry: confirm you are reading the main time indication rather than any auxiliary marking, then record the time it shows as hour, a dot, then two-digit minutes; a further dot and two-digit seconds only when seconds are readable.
8.53
